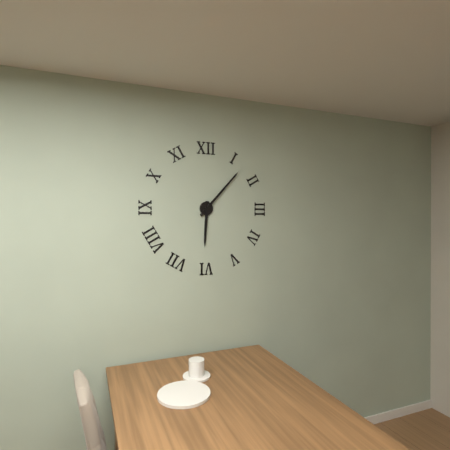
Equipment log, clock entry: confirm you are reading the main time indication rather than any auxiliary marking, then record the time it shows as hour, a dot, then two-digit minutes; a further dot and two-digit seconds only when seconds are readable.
6.07
